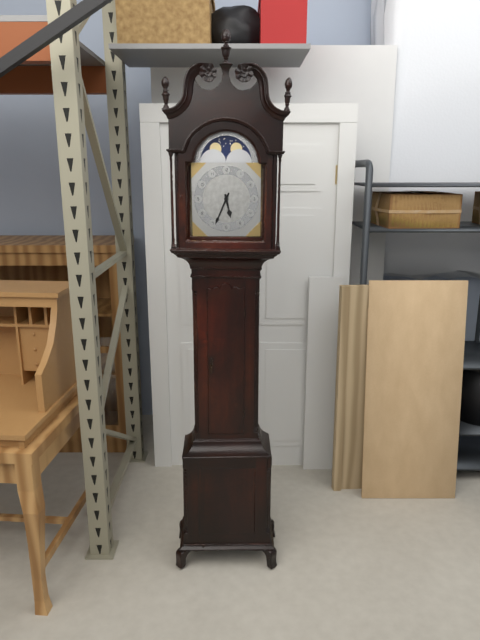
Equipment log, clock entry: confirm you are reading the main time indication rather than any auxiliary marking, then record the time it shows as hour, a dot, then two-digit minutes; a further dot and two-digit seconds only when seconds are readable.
5.34
